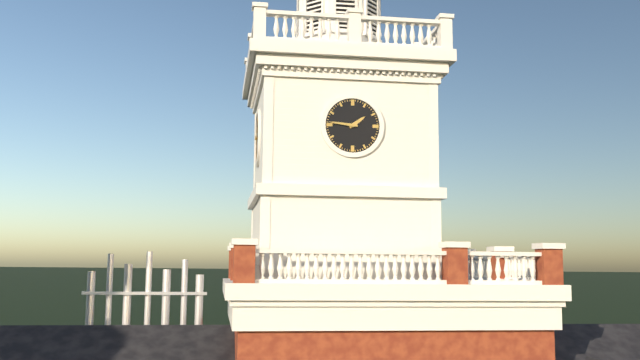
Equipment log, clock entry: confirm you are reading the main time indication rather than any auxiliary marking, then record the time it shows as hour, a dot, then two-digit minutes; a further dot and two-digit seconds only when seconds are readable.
1.46
